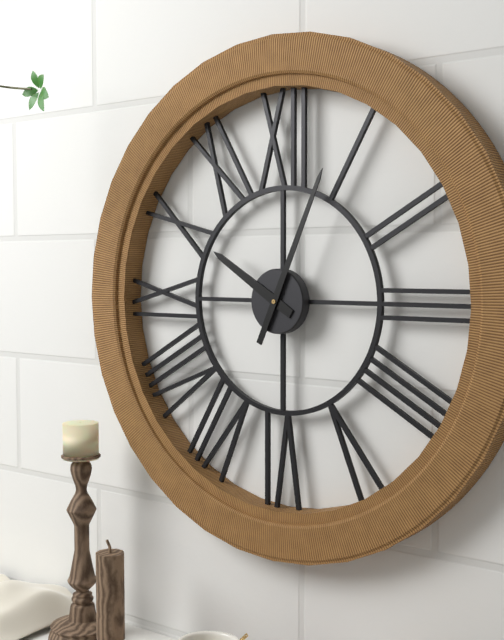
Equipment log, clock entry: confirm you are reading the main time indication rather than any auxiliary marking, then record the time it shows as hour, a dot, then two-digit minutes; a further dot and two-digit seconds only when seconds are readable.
10.04
